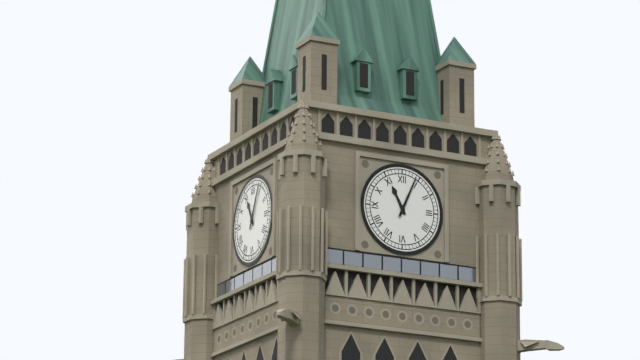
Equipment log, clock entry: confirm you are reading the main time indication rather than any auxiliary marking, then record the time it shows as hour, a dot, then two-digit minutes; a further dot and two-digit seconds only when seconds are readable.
11.04
